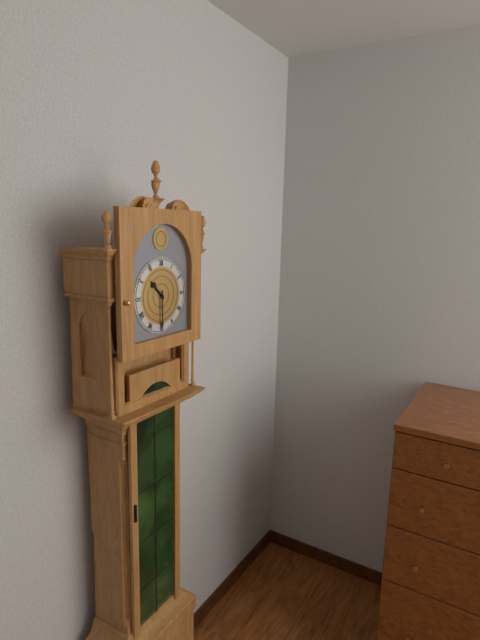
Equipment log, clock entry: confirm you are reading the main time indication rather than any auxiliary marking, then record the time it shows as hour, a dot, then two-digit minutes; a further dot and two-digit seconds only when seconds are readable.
10.30
